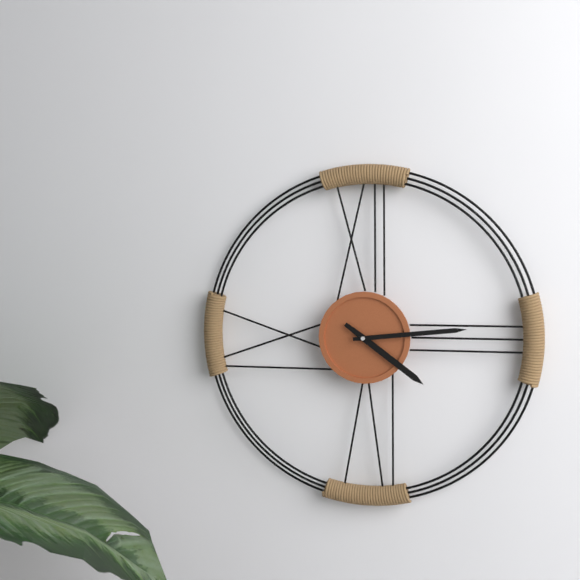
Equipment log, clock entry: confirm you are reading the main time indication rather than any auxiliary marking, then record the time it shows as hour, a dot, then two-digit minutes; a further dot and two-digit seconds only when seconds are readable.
4.14
